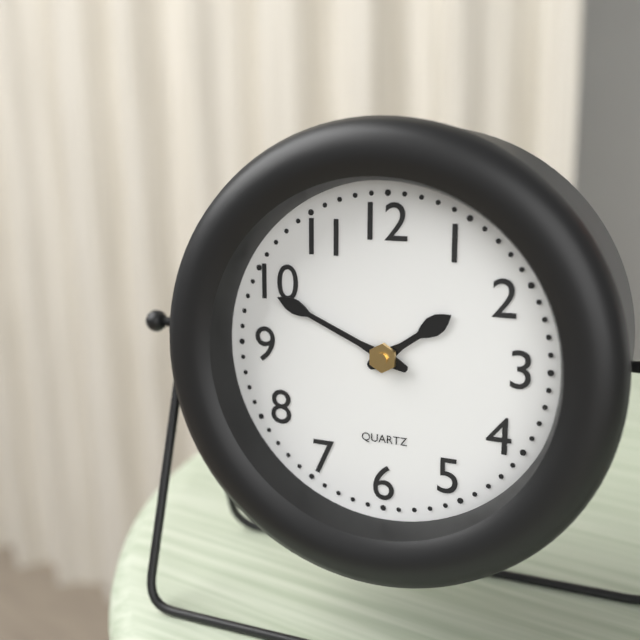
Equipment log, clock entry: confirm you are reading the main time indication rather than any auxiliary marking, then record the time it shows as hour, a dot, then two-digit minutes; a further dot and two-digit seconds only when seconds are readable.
1.49
